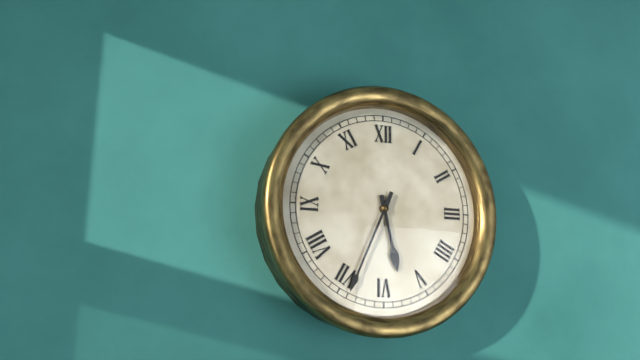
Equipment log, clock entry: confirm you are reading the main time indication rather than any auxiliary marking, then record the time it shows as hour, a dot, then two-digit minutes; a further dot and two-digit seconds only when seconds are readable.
5.34
